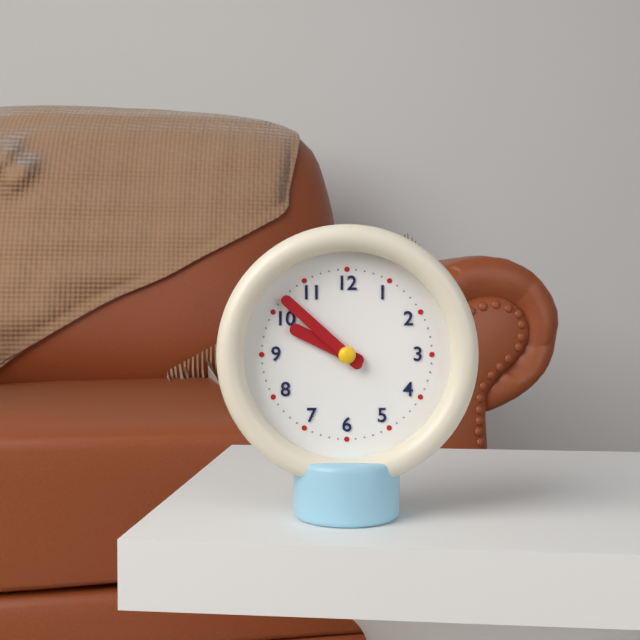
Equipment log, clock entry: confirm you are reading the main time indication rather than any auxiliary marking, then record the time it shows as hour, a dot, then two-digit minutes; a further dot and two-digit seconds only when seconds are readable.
9.52
